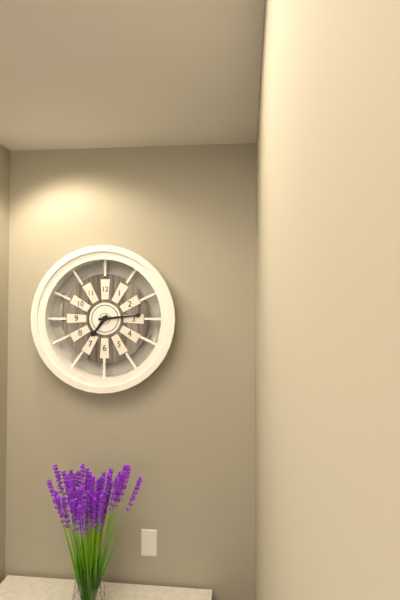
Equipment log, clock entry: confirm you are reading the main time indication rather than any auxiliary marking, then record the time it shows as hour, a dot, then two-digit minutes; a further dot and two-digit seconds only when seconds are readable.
7.14
